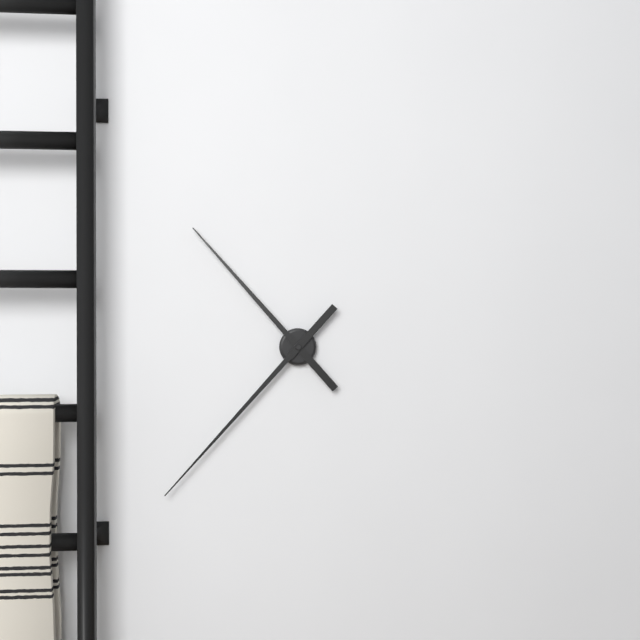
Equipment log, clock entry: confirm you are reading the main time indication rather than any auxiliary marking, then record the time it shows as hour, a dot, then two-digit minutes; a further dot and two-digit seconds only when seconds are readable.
10.37
